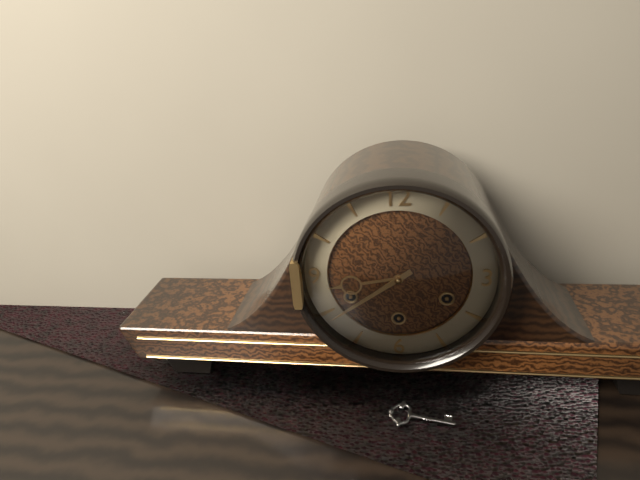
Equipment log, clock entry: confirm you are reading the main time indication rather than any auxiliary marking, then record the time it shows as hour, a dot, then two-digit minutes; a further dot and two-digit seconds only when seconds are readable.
8.39
